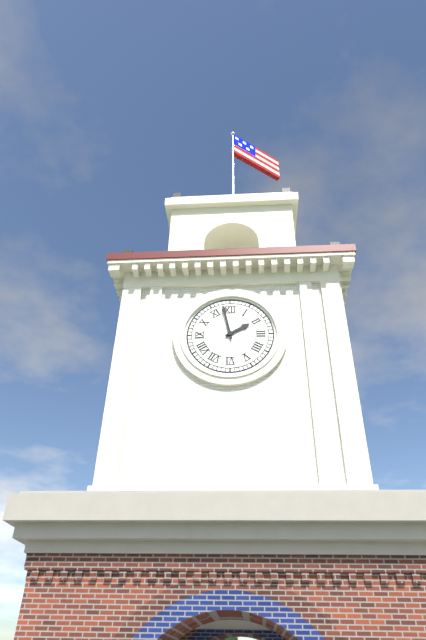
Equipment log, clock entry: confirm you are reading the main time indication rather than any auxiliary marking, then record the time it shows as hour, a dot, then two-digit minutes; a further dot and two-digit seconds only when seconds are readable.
1.58
